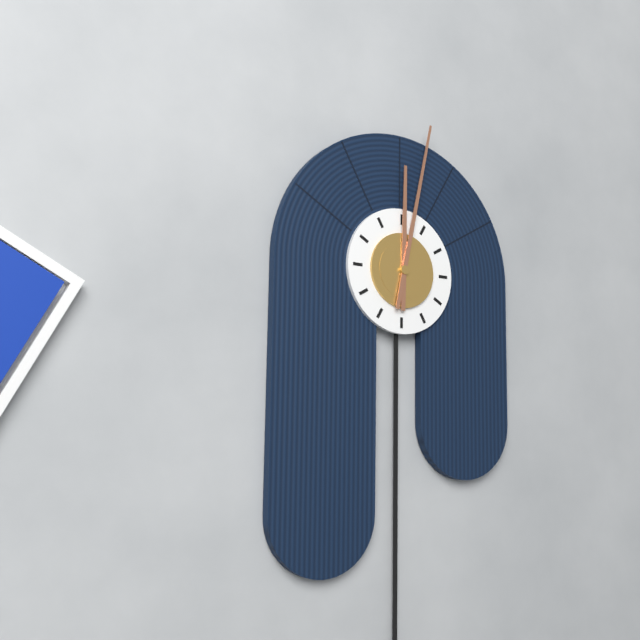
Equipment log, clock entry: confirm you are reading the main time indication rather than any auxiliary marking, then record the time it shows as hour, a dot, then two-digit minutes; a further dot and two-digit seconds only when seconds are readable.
12.02
